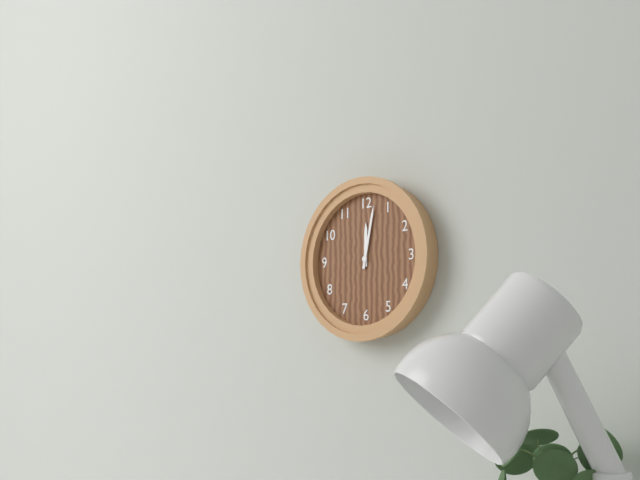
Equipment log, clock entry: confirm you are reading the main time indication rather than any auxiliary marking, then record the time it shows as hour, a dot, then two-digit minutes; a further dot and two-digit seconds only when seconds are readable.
12.02
